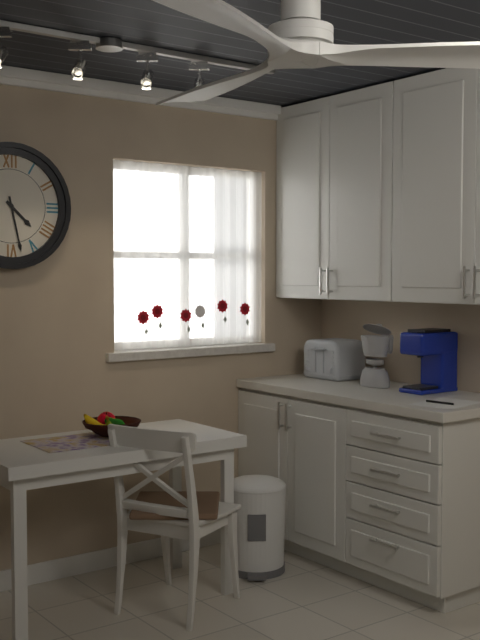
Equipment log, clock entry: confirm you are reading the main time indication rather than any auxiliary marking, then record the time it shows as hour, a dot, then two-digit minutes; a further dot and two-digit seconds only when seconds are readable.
4.28
